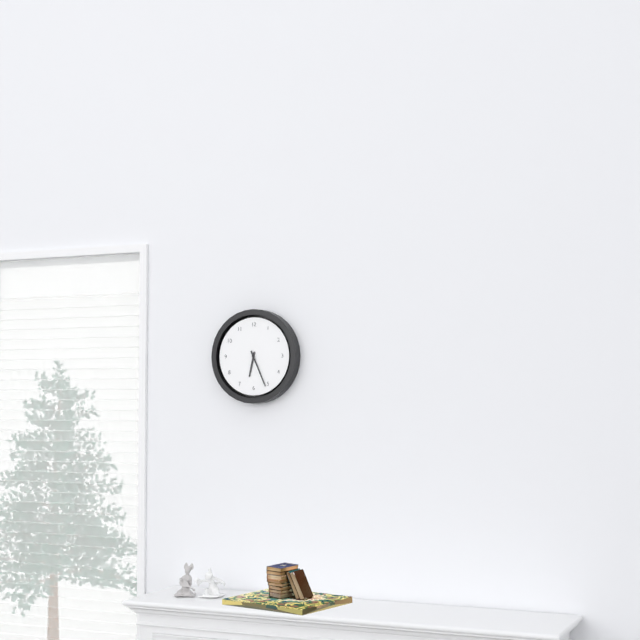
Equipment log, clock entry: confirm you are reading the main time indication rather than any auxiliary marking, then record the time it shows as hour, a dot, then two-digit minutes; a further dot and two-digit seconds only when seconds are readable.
6.26
